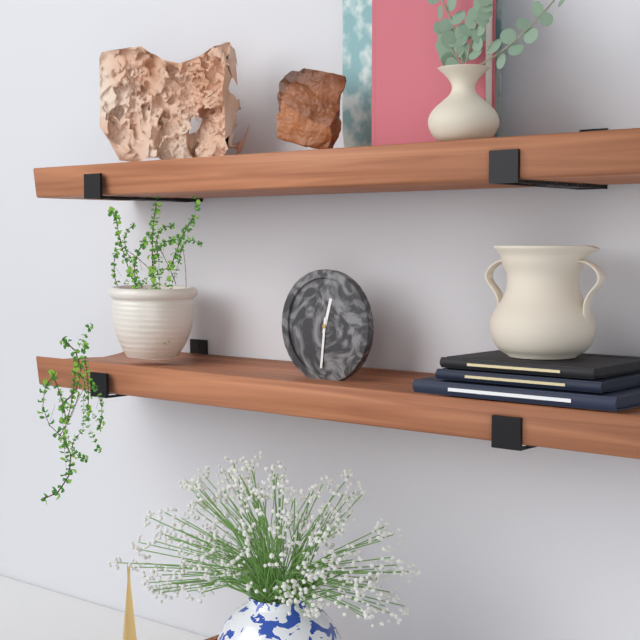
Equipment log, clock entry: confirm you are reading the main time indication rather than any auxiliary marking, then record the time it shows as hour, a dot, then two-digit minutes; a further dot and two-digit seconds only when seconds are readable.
12.31
